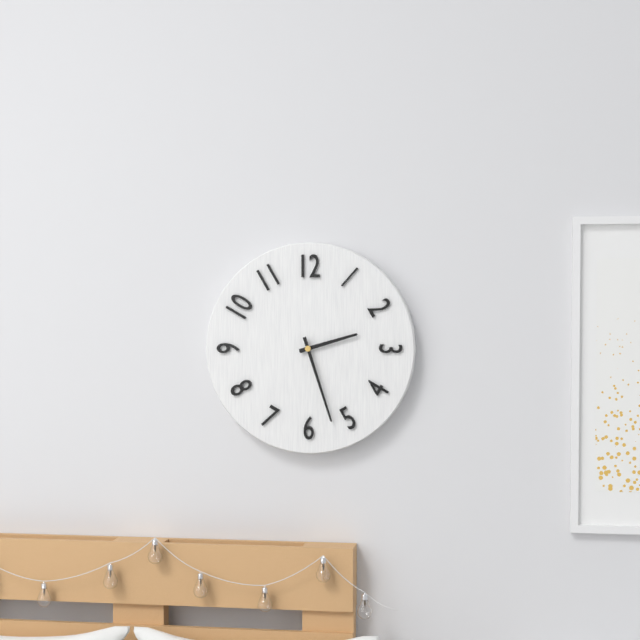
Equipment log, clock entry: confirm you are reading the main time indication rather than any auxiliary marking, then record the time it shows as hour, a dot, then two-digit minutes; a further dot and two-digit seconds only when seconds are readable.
2.27
